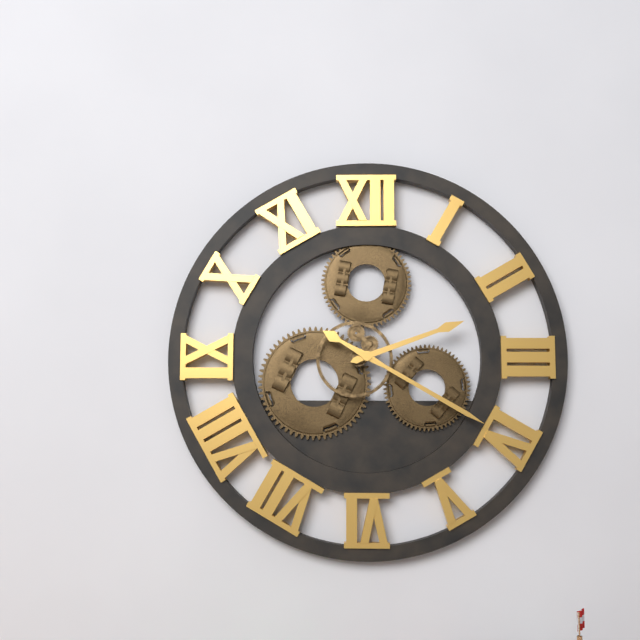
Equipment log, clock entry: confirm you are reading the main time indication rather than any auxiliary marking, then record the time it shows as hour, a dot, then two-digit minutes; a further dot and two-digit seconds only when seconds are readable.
2.20
